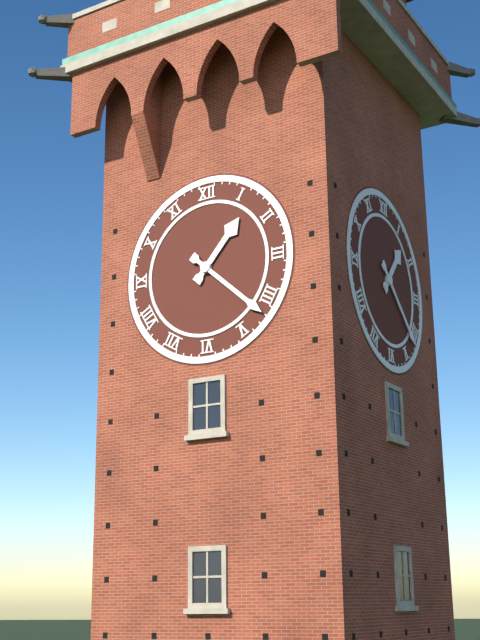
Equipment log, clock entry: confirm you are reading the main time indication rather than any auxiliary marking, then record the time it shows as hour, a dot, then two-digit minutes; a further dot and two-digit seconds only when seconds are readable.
1.22
